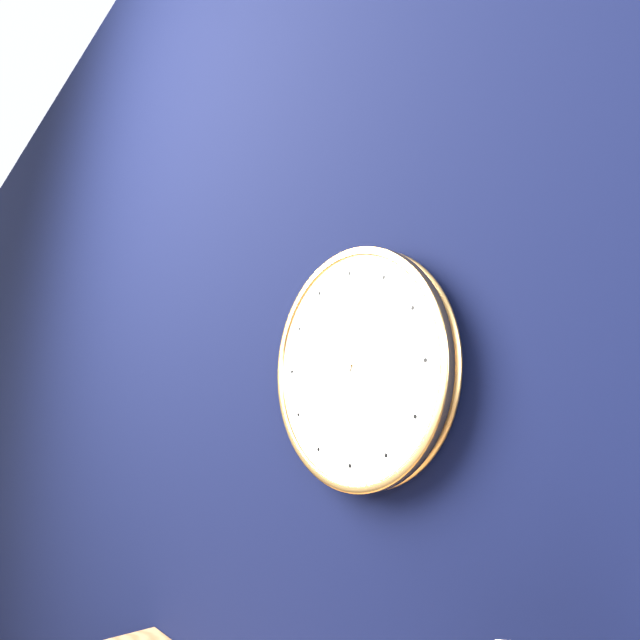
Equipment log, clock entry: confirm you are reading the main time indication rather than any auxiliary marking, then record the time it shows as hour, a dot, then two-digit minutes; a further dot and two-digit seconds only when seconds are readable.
2.01
